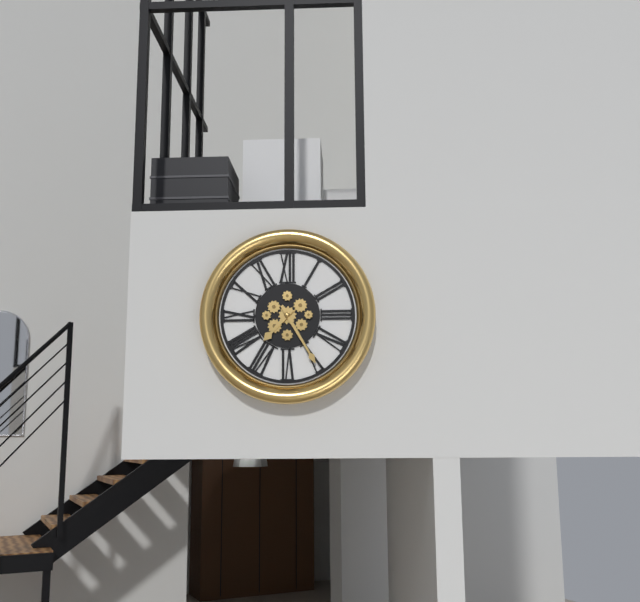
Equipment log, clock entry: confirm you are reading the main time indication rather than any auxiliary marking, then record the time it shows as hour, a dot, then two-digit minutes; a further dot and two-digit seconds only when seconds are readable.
7.25
